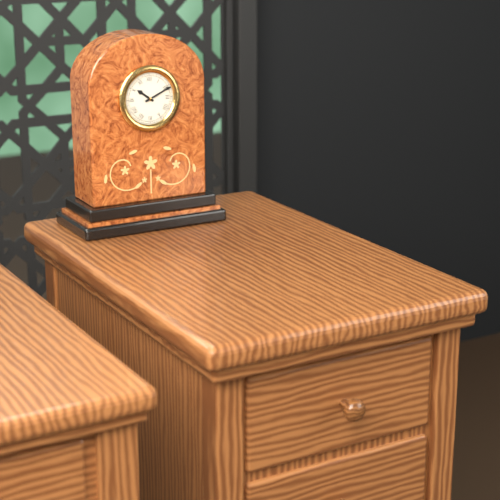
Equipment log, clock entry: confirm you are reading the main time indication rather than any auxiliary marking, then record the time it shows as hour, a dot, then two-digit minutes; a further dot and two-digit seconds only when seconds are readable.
10.11
